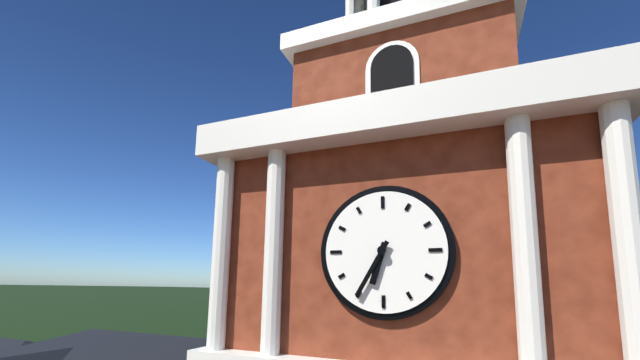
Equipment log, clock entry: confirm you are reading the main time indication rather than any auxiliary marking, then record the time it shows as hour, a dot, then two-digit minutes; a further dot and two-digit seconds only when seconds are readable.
6.35
